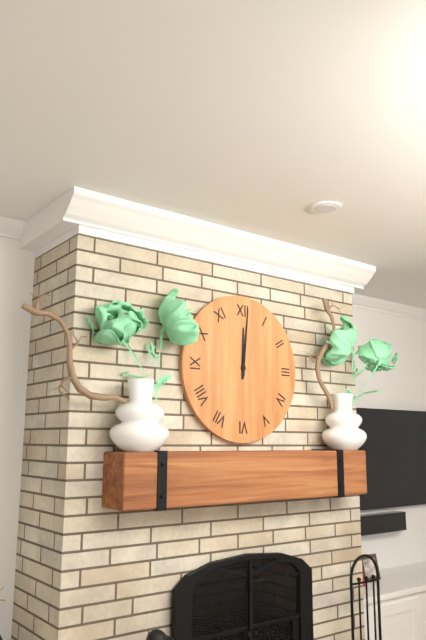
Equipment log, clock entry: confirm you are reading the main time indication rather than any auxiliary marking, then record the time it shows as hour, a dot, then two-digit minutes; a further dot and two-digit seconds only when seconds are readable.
12.01
